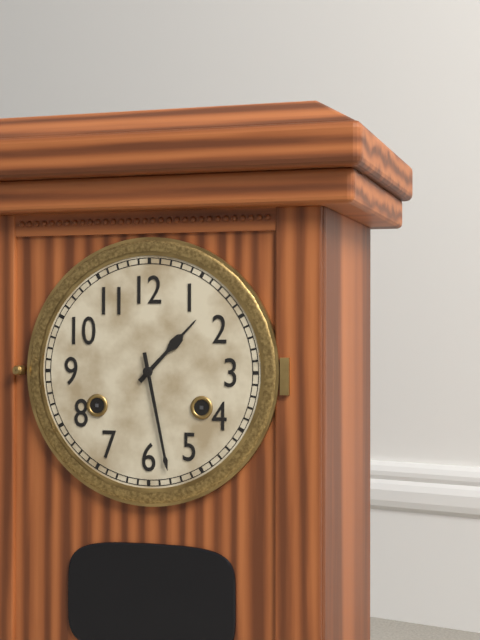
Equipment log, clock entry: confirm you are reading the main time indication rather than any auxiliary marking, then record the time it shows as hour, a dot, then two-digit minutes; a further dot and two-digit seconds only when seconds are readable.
1.28
